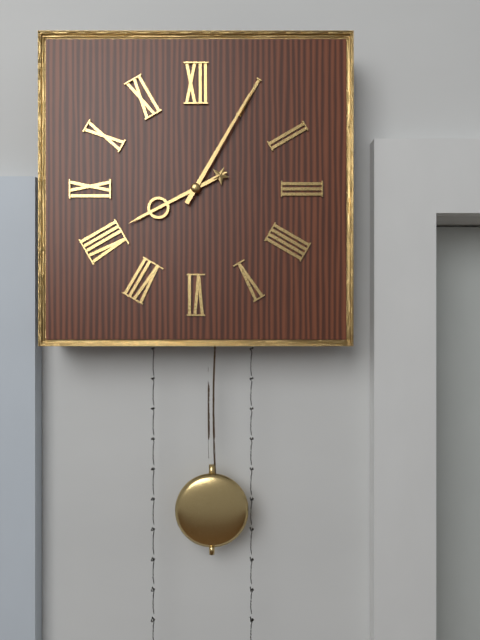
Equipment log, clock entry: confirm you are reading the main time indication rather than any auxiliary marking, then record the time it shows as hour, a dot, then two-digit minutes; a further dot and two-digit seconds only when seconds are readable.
8.05
